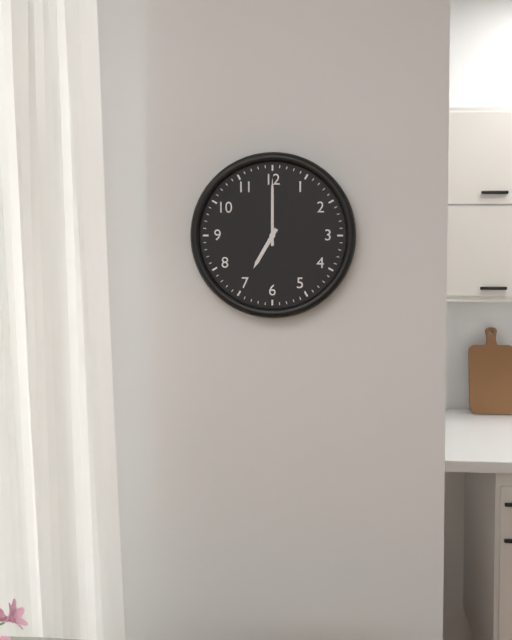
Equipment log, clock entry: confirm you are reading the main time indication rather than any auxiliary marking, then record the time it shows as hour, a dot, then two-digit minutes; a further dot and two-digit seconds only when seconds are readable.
7.00
